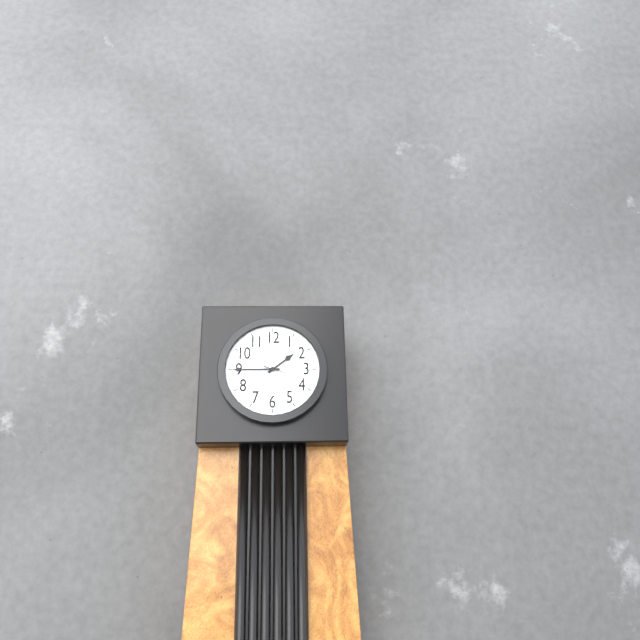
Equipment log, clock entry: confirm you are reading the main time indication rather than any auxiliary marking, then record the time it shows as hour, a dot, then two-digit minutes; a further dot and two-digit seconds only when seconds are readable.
1.45
